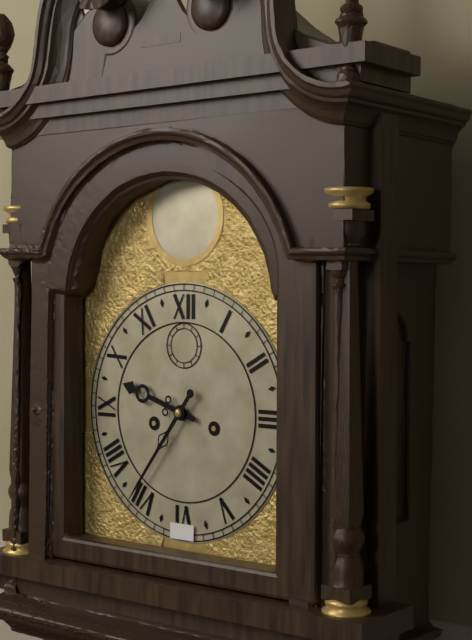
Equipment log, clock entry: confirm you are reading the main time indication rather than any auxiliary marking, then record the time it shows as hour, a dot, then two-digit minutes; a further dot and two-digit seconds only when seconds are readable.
9.36
